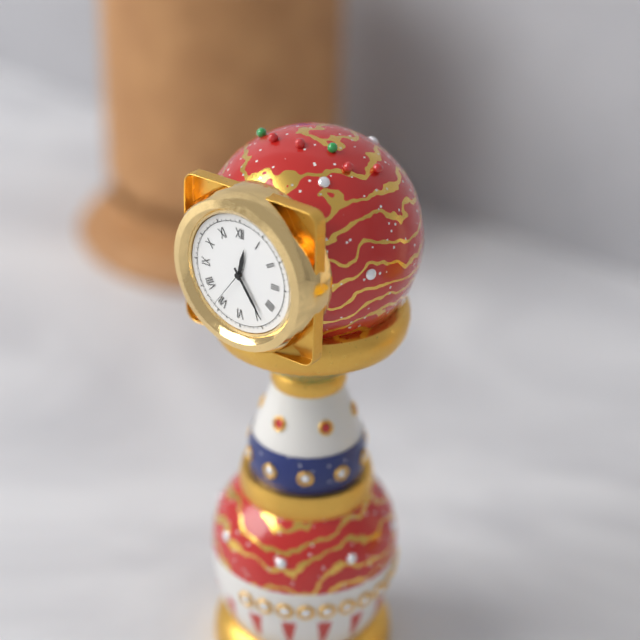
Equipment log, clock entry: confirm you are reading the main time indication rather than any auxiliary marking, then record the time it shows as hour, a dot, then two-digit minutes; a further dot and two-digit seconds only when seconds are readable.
12.24
